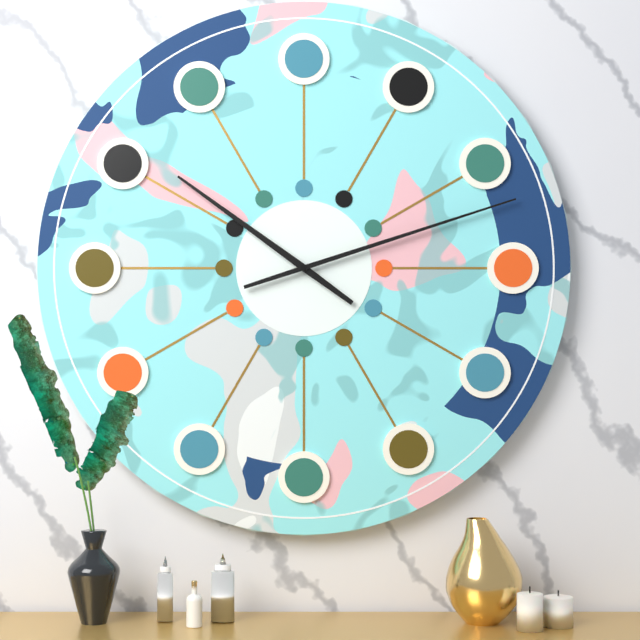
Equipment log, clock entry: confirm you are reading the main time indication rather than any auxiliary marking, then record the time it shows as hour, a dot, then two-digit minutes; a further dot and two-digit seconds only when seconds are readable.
10.12
